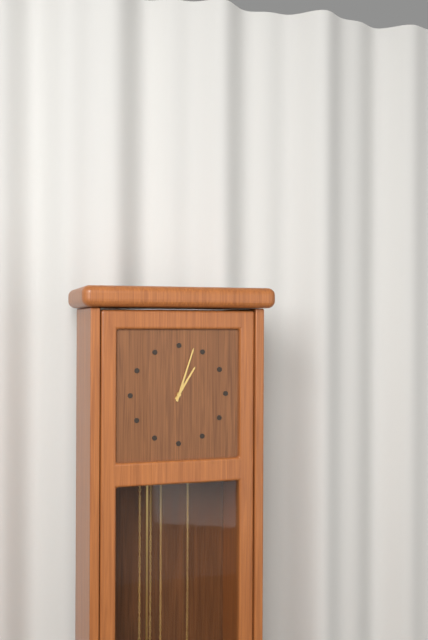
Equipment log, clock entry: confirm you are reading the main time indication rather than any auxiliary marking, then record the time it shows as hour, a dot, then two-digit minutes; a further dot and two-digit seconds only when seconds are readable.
1.03
